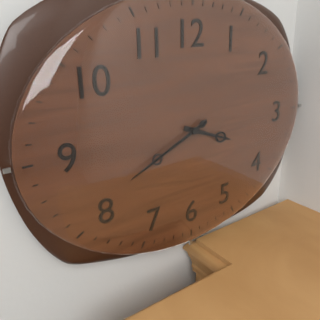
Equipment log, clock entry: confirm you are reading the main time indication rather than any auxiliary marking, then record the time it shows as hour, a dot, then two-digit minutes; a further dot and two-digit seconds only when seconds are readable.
3.41
